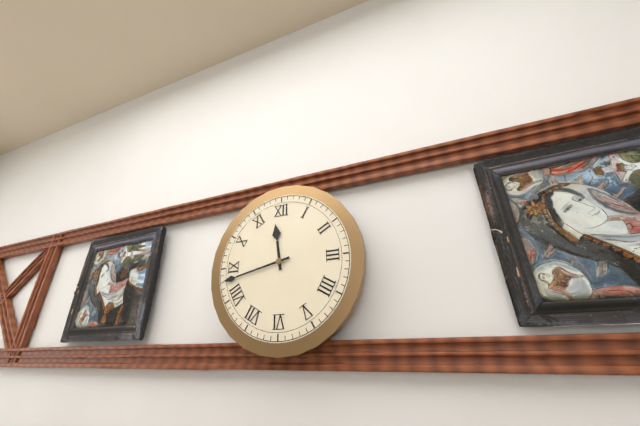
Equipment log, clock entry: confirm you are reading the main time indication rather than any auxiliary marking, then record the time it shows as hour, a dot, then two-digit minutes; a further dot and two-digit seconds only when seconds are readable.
11.43
